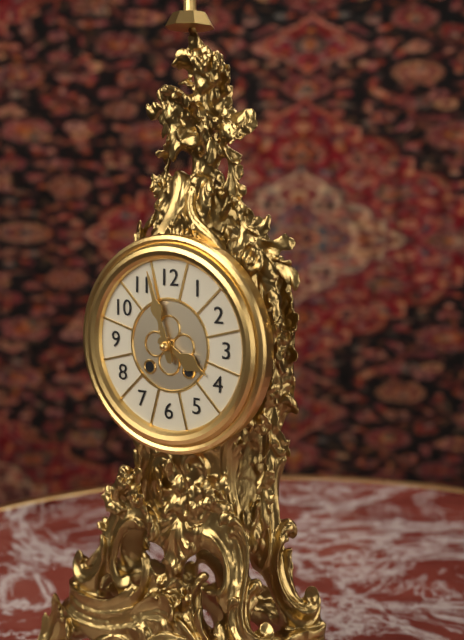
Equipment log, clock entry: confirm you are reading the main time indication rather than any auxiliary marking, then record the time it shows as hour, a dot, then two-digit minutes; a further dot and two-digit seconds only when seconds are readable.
3.57
